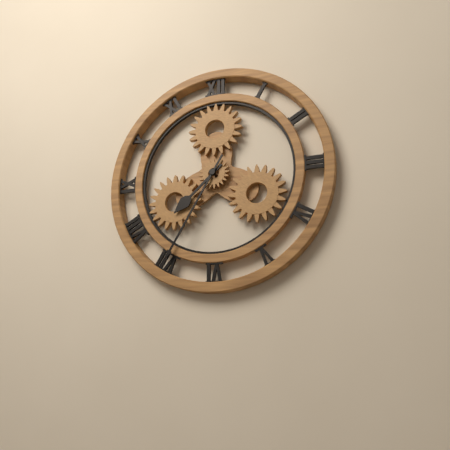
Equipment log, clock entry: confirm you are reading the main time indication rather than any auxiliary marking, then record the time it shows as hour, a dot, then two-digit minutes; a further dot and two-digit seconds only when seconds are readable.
7.35
